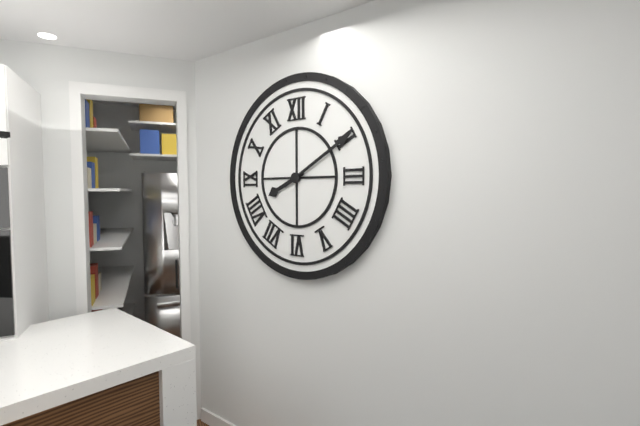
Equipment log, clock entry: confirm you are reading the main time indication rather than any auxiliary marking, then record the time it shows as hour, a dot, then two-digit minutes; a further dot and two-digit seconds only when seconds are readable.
8.10
